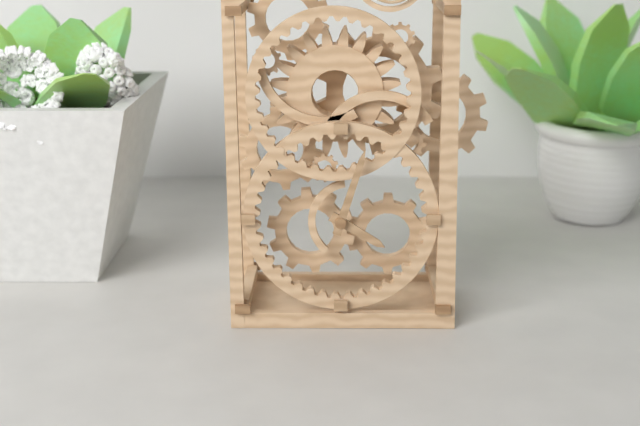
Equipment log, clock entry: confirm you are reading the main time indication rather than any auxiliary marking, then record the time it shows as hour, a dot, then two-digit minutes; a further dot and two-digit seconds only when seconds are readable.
4.03
